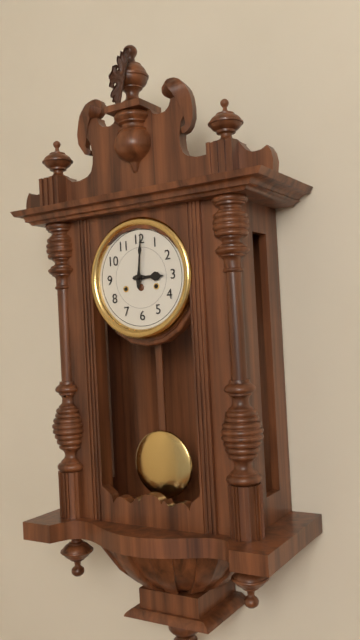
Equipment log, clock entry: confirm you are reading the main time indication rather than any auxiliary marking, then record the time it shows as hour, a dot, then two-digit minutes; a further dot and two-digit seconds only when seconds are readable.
3.01
